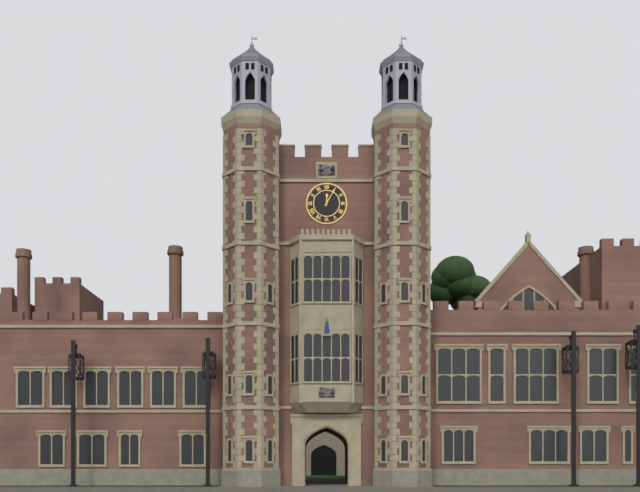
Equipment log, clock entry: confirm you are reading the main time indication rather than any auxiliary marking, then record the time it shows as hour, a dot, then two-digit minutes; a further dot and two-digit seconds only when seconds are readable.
12.05
